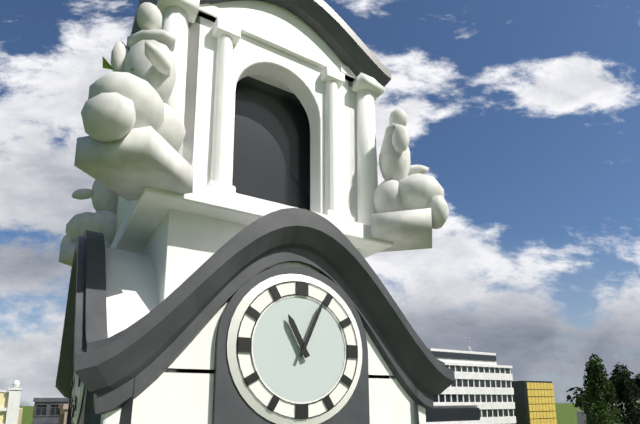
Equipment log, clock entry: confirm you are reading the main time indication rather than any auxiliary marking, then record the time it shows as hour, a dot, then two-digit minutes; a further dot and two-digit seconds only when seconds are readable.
11.04
